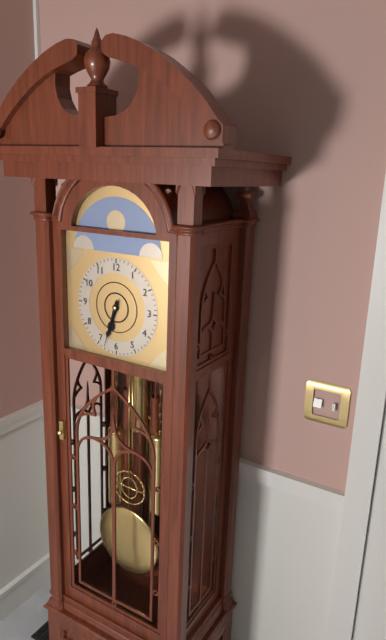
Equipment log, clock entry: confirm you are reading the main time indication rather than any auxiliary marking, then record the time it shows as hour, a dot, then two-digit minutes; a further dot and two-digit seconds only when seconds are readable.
6.33
